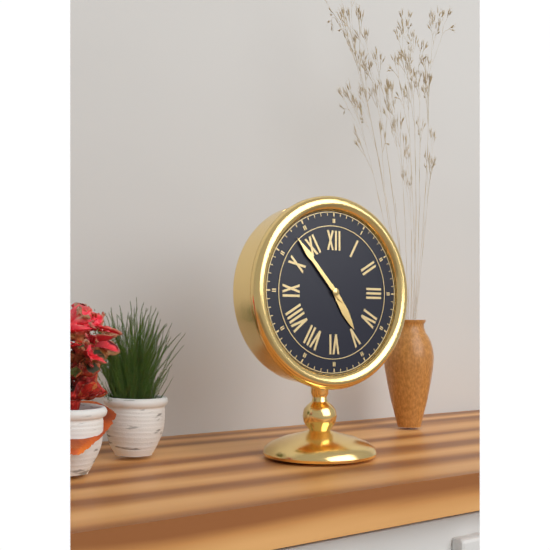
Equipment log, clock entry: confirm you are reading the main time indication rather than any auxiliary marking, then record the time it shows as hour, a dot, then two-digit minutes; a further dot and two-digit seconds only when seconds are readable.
4.53
